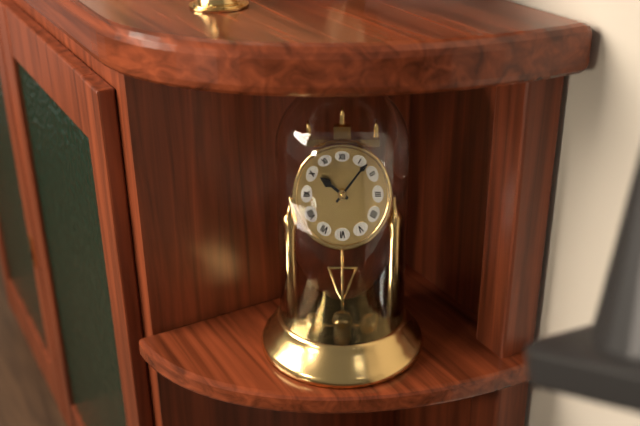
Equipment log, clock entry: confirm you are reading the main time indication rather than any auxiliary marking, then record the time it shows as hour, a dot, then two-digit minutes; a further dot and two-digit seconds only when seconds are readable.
10.07
